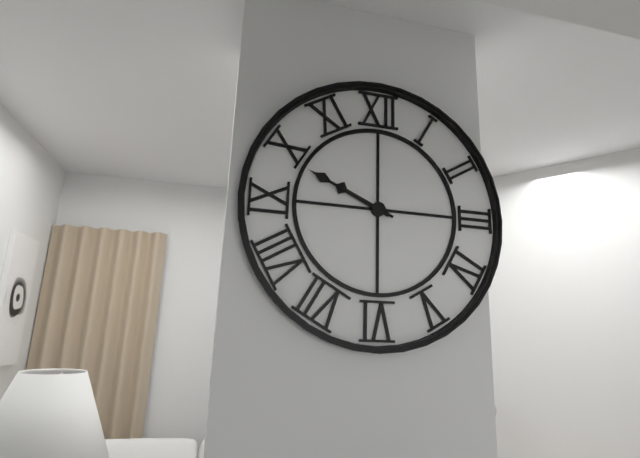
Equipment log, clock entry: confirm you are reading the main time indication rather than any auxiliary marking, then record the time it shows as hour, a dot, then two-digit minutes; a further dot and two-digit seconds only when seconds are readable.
9.49
